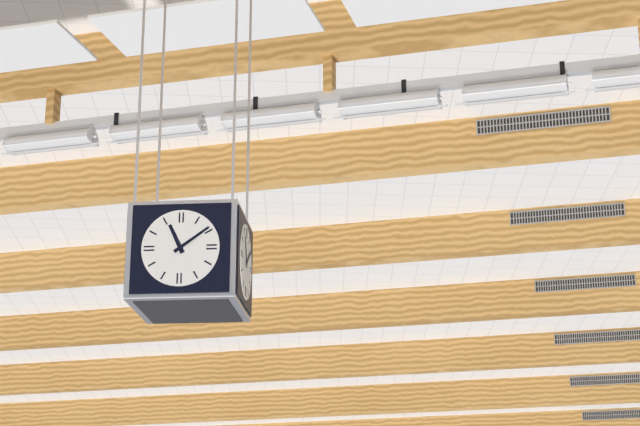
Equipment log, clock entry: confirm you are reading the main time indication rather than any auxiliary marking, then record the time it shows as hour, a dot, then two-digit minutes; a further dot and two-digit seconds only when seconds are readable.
11.09
